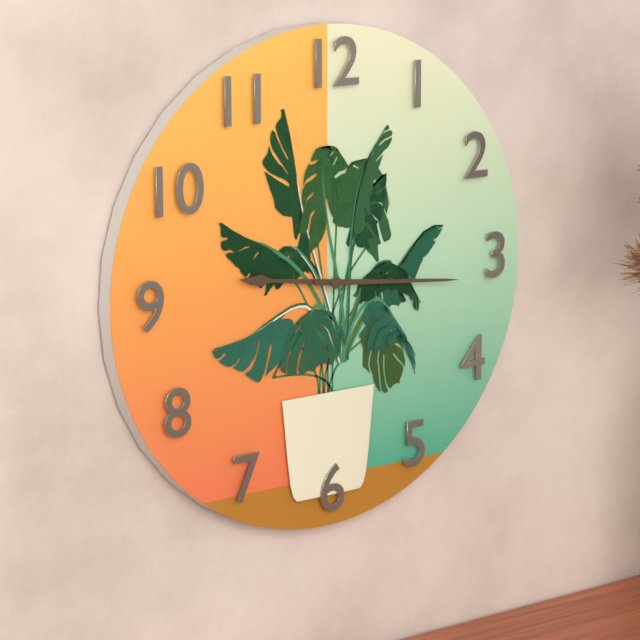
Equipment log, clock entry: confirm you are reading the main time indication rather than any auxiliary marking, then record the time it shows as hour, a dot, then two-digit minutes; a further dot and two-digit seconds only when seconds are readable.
9.16
